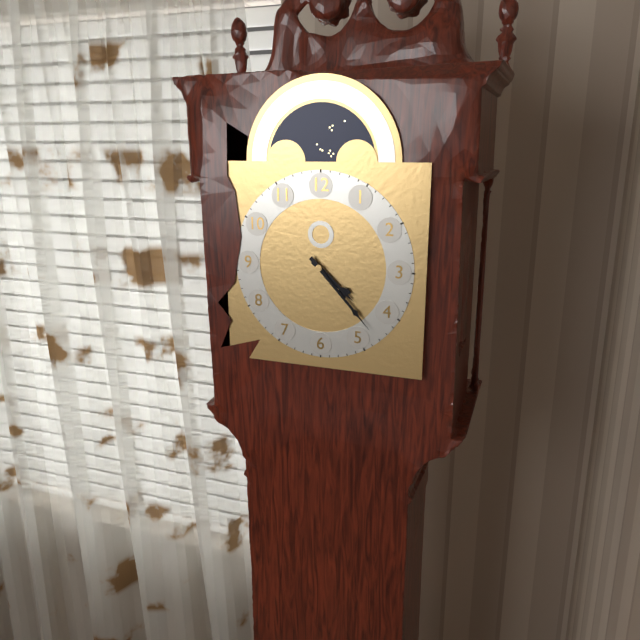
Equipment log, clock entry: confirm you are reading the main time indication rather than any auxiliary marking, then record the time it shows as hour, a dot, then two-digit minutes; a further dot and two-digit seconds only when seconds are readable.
4.23
